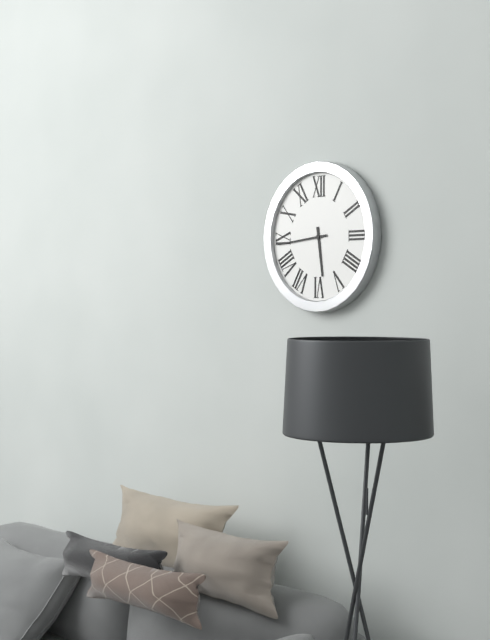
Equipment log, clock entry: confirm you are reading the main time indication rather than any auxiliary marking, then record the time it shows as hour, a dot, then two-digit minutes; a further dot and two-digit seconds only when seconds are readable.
5.44
